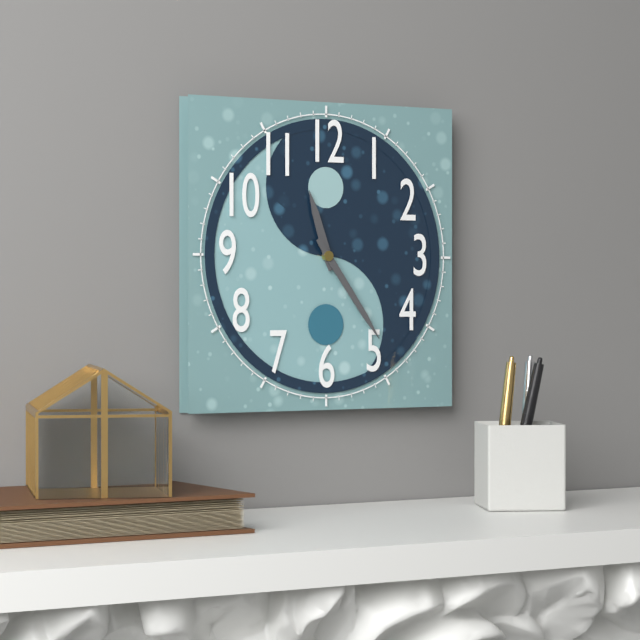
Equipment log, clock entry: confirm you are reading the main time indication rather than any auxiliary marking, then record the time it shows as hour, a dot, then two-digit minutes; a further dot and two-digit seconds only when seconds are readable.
11.24
